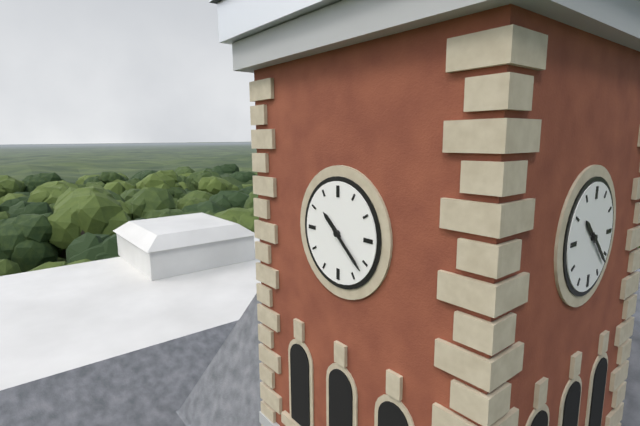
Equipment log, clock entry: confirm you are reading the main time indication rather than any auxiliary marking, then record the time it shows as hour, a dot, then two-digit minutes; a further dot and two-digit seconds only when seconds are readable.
10.22
